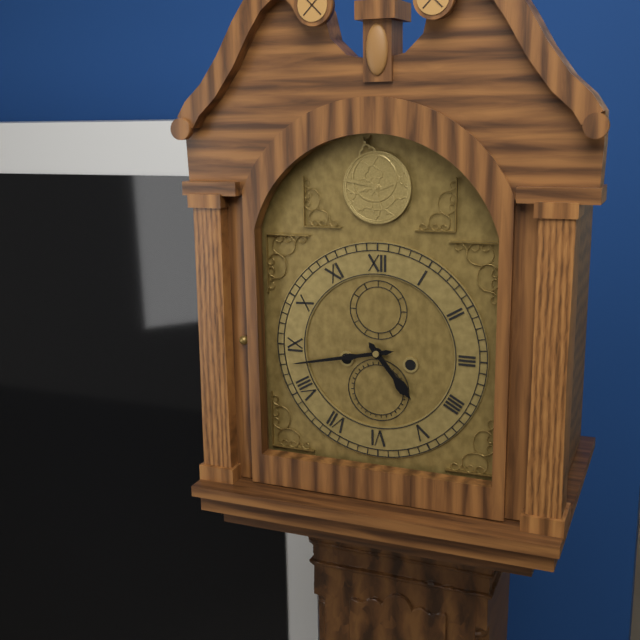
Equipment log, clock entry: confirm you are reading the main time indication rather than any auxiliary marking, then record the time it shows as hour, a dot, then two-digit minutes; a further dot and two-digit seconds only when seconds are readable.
4.43
